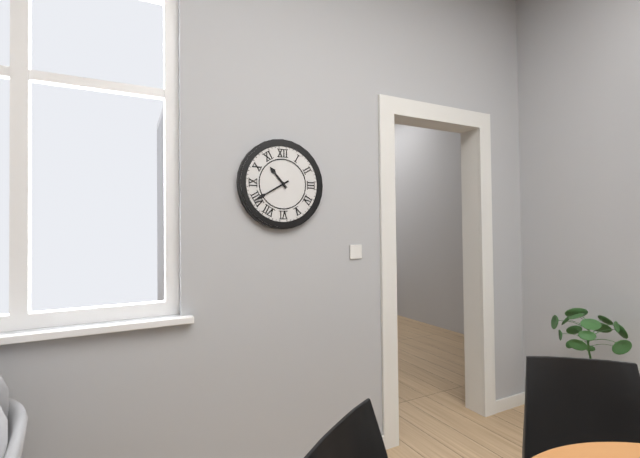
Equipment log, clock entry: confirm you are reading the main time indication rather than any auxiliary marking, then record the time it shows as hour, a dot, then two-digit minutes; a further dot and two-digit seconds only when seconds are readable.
10.40
